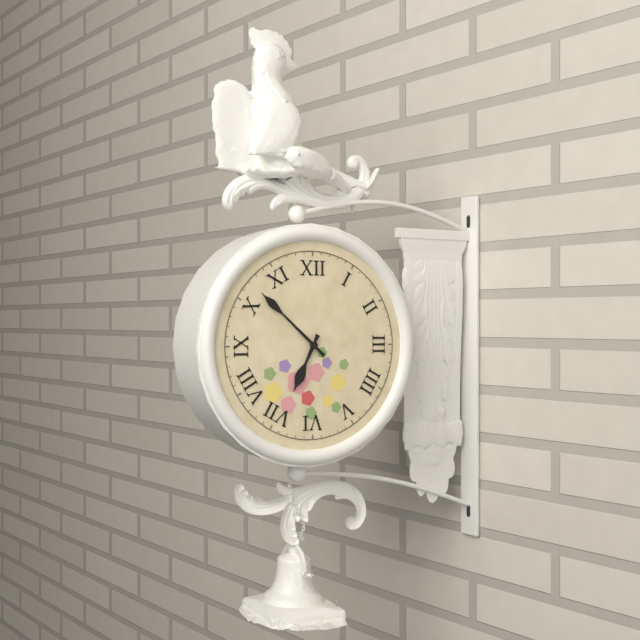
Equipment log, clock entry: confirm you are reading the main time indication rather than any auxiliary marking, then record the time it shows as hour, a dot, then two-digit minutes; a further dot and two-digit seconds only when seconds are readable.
6.52
